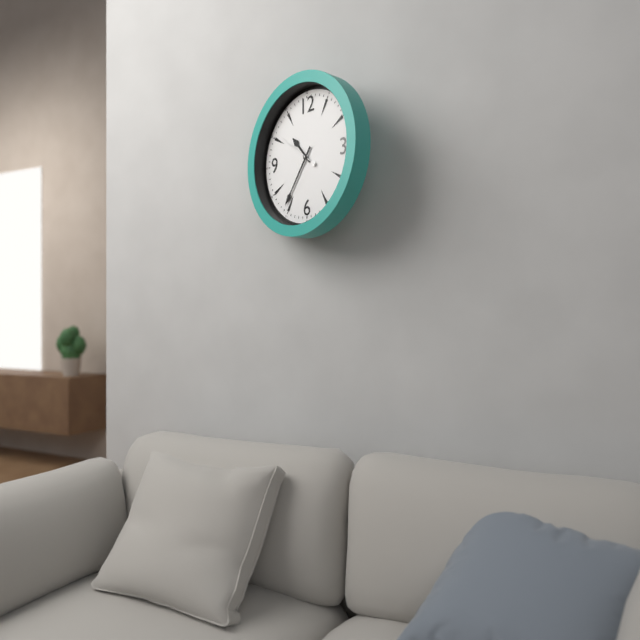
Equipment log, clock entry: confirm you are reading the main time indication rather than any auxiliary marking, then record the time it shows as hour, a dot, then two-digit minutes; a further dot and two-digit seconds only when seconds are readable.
10.36
